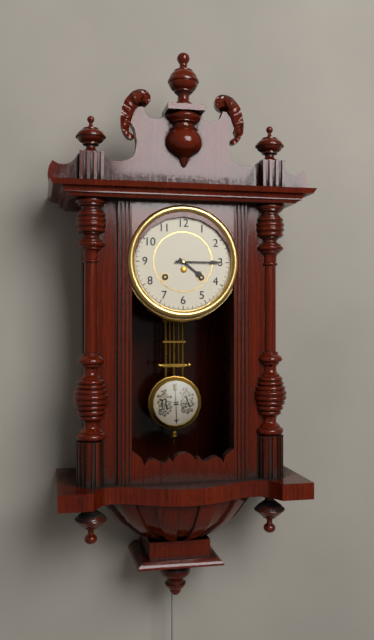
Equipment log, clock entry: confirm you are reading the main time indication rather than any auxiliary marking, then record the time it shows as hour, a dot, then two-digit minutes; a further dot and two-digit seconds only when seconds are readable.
4.15
